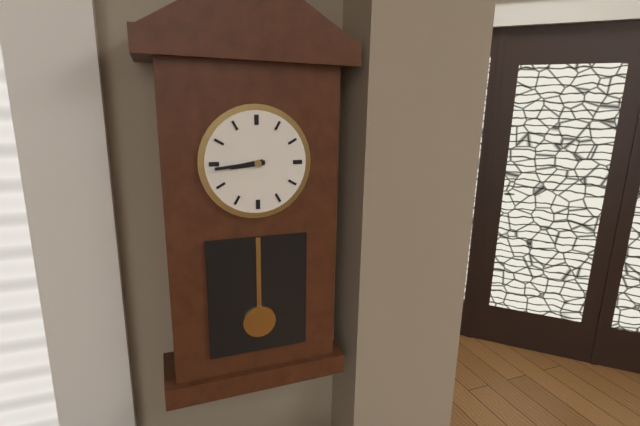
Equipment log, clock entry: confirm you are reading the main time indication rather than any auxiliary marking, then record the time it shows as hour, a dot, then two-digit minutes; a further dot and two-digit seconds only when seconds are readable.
8.44
